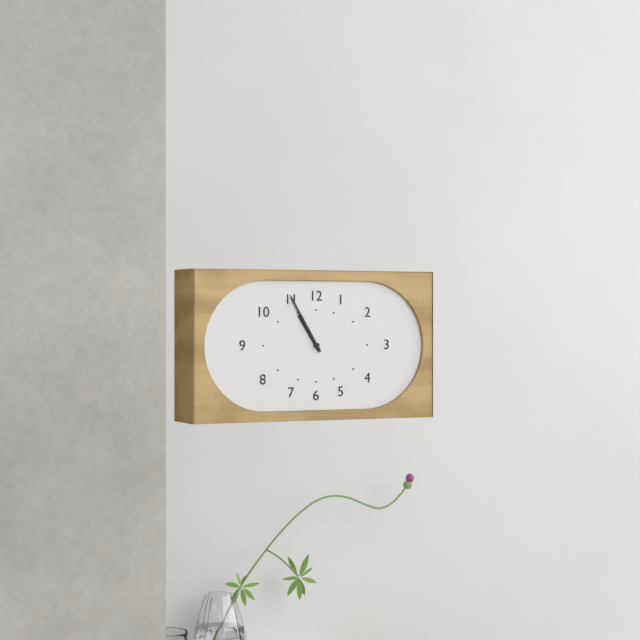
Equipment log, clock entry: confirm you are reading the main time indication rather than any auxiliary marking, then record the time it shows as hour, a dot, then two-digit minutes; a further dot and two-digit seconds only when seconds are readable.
10.55
